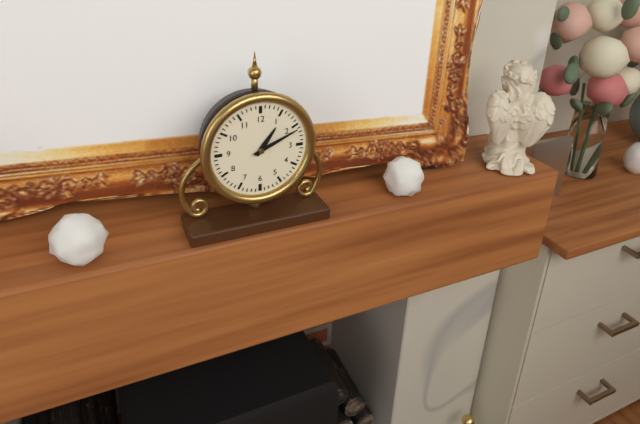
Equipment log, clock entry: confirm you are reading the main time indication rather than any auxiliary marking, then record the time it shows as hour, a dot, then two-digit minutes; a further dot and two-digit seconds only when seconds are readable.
1.11
